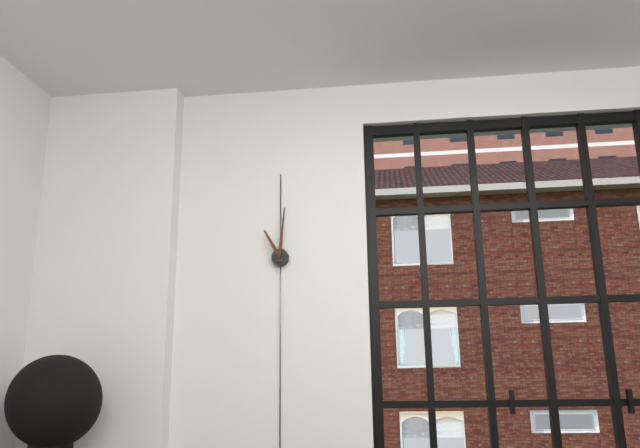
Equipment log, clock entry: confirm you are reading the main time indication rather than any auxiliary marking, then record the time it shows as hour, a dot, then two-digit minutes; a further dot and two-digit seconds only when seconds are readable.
11.01
